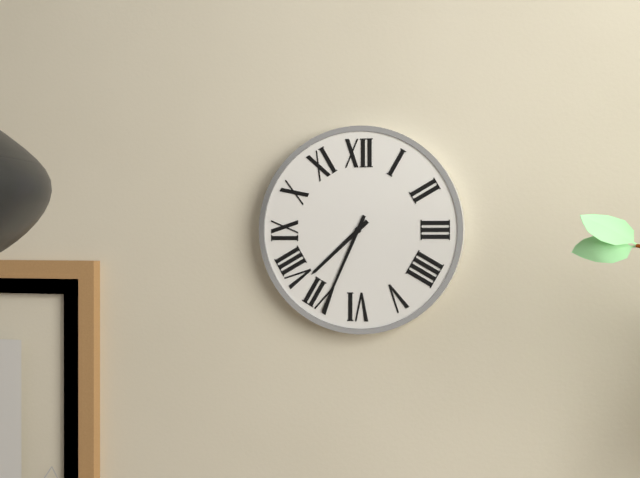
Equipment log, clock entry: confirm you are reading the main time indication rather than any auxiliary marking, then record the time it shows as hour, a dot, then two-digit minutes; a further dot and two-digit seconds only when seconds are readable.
7.34
